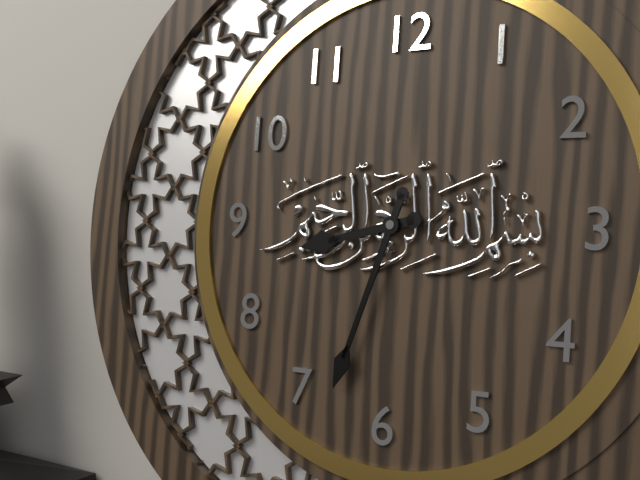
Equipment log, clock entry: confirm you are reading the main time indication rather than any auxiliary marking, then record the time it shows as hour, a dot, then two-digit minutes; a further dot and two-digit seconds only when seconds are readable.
8.33
